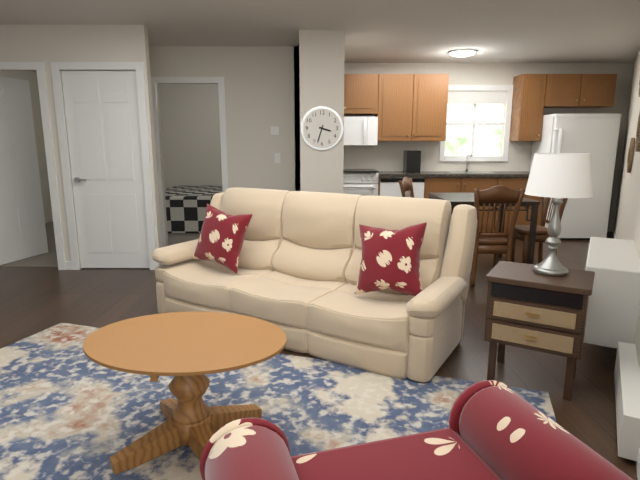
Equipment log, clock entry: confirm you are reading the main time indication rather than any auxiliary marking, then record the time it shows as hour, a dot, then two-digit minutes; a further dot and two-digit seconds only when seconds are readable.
3.33
